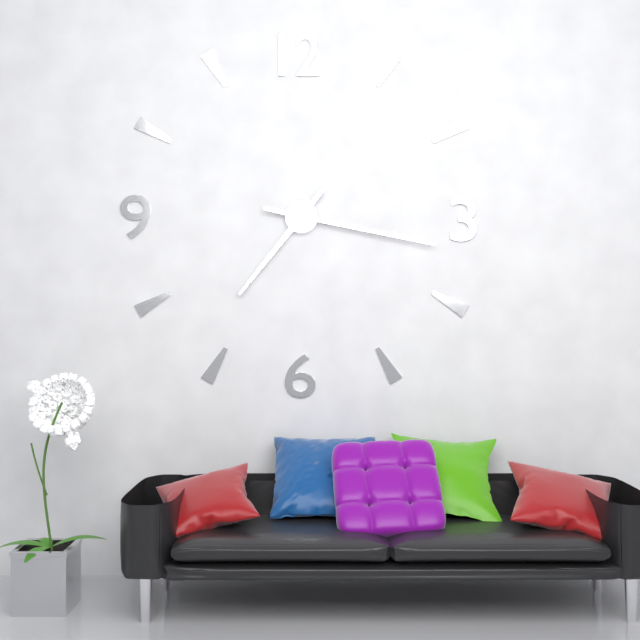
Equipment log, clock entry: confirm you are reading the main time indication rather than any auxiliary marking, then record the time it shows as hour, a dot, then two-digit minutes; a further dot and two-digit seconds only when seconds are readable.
7.17
